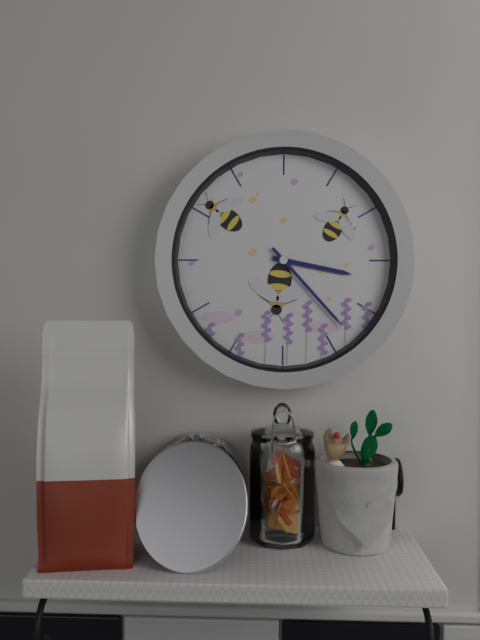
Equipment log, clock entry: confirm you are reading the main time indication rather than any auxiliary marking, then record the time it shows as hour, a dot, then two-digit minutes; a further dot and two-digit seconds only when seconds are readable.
3.23
